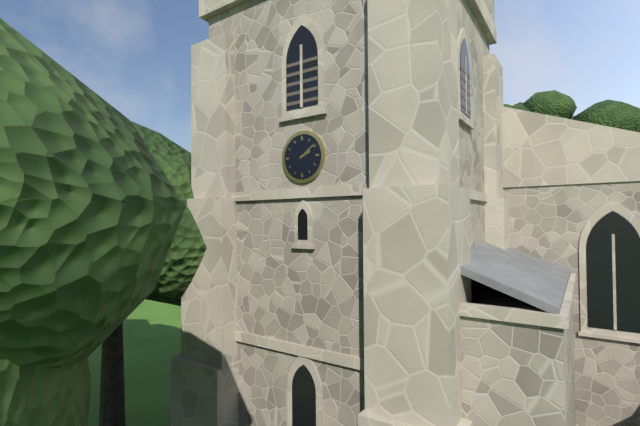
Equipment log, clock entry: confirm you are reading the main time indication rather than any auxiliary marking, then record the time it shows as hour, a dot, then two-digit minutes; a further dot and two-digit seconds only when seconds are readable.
2.09
